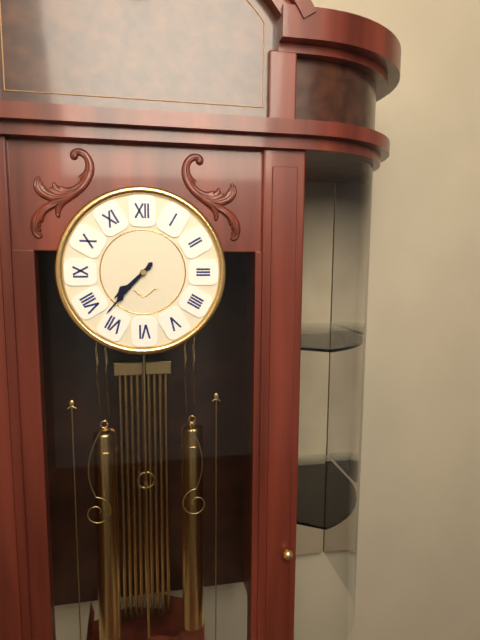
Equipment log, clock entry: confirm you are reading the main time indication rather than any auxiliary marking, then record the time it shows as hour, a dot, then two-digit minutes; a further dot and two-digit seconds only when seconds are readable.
7.37
